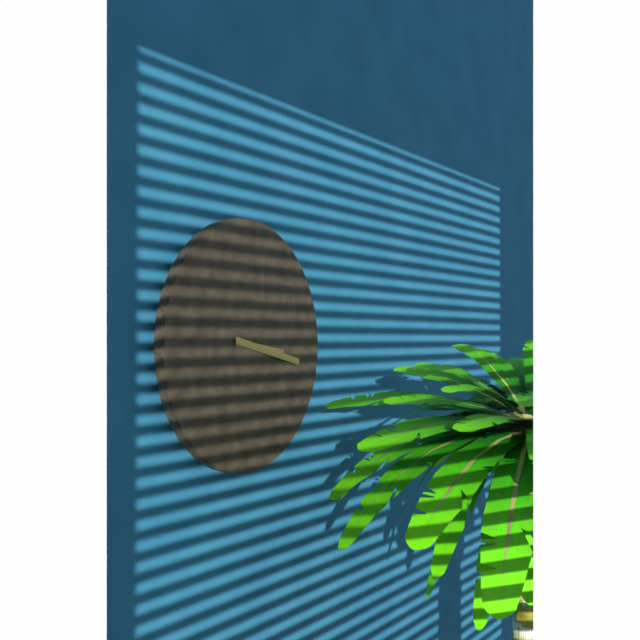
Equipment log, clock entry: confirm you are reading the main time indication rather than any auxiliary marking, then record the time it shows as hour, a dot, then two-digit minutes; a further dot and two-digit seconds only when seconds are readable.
3.17
